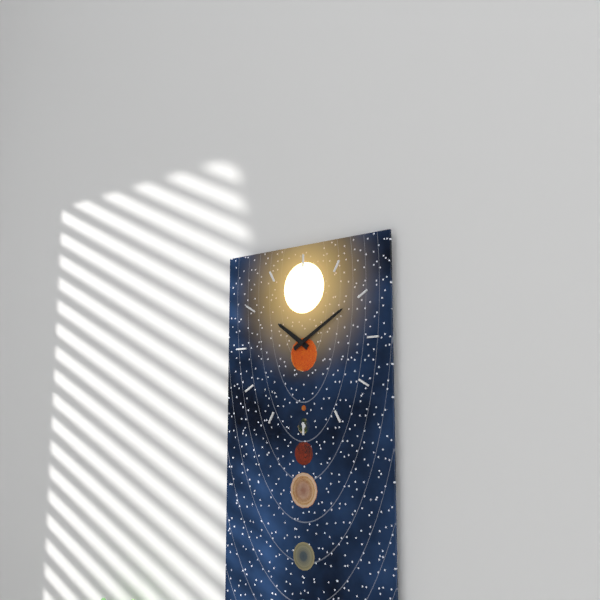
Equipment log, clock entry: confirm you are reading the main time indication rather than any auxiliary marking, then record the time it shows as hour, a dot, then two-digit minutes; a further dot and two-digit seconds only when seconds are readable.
10.10
